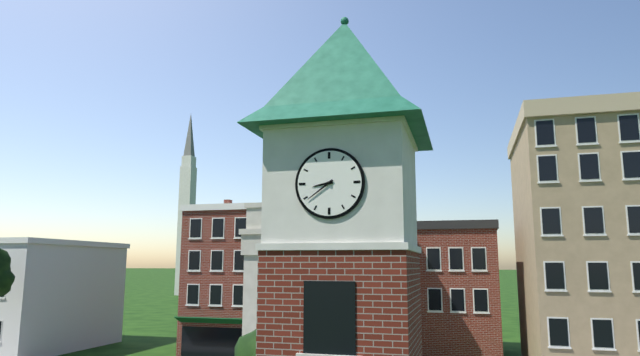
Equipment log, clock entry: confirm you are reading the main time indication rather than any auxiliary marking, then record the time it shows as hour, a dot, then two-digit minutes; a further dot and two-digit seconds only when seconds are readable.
8.39
